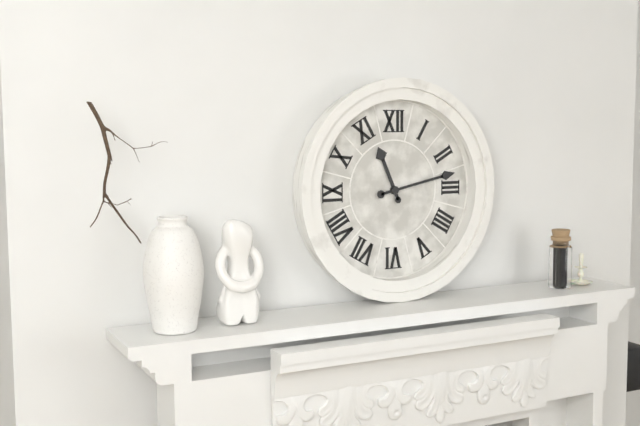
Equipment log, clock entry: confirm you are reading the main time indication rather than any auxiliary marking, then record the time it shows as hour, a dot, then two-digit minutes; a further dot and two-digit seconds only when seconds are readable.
11.13
